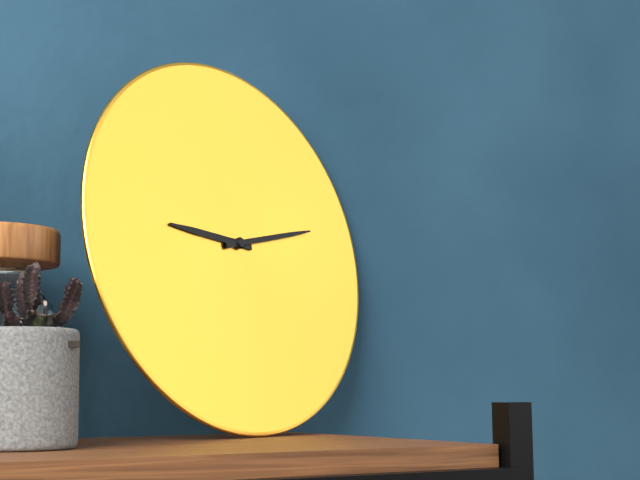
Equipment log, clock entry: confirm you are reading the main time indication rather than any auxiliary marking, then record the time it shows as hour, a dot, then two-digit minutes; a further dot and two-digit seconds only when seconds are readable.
9.13
